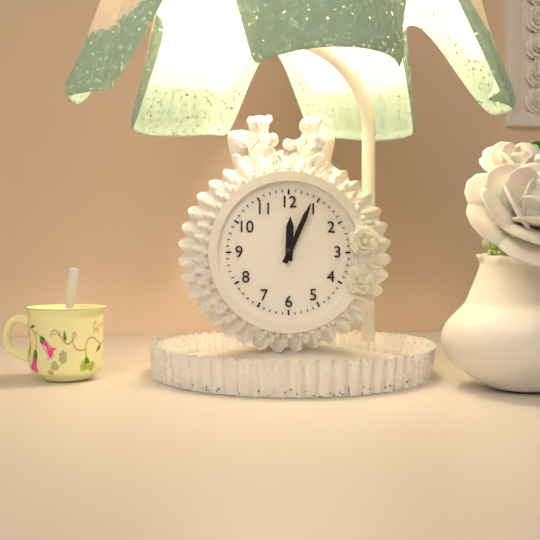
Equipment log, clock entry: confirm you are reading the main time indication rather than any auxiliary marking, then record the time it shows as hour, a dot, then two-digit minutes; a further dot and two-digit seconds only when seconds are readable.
12.04
